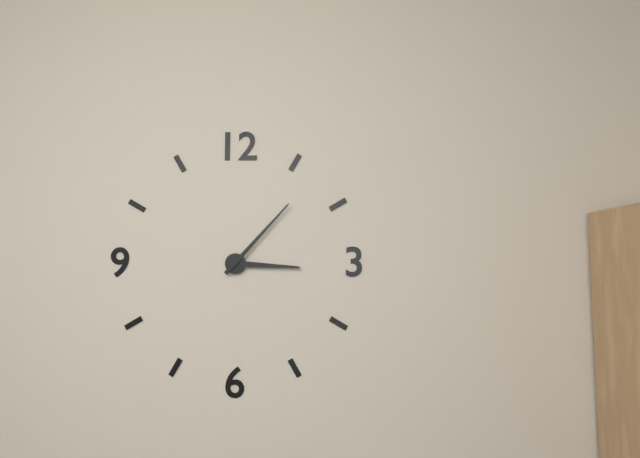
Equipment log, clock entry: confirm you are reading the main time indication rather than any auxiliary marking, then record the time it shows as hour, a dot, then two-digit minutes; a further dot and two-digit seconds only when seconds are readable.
3.07
